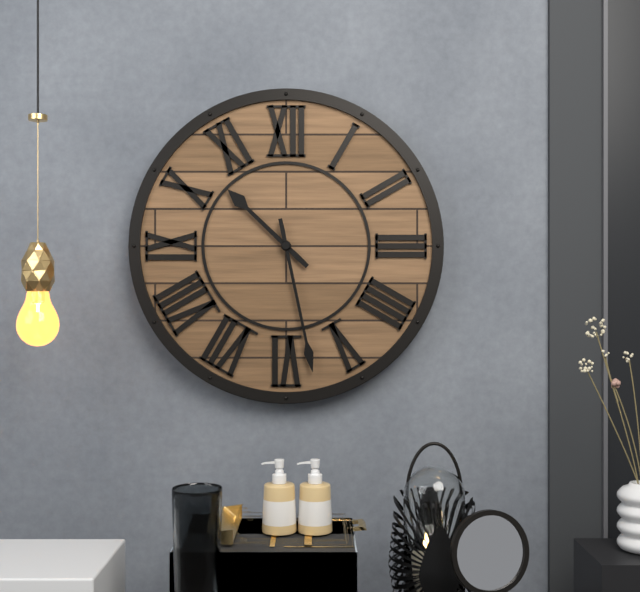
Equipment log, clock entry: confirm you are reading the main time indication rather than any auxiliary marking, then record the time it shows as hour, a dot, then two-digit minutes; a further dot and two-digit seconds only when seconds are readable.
10.28
